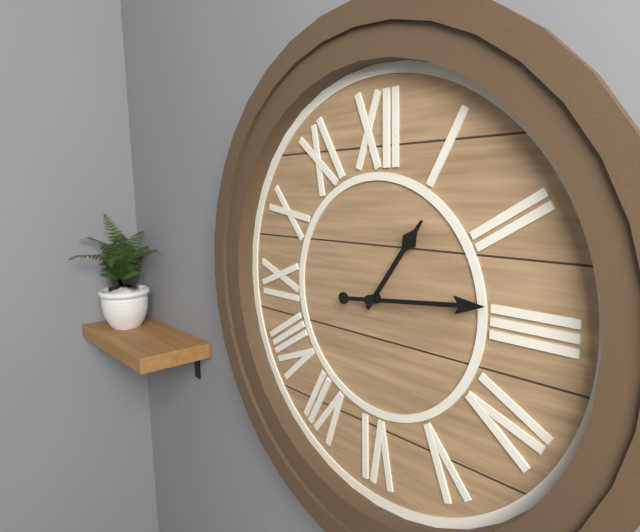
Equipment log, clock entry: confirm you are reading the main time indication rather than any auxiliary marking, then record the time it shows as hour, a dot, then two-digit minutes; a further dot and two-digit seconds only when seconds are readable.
1.14
